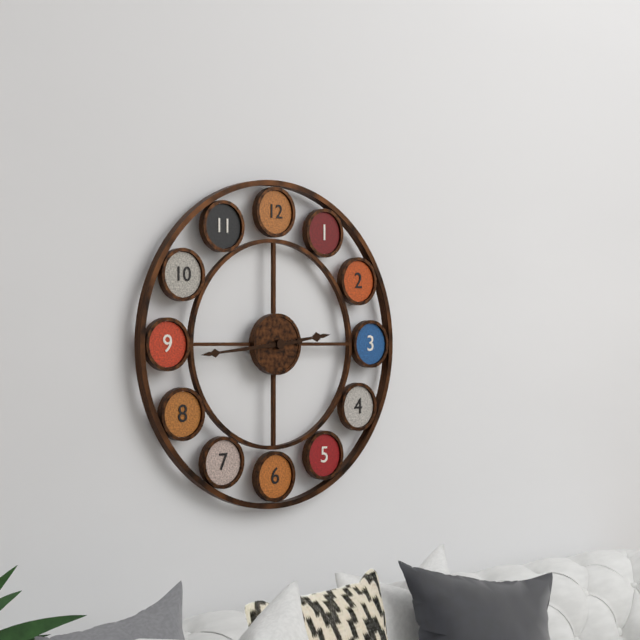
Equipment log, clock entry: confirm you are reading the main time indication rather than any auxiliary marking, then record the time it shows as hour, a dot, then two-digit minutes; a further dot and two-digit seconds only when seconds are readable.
2.44
